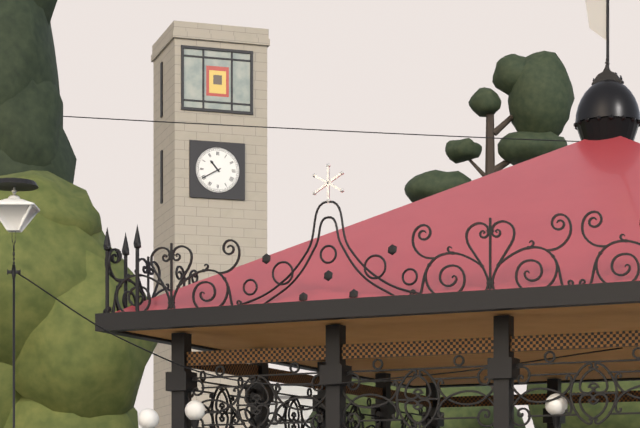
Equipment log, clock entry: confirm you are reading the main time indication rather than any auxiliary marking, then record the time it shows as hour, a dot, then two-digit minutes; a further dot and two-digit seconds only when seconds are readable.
10.40
